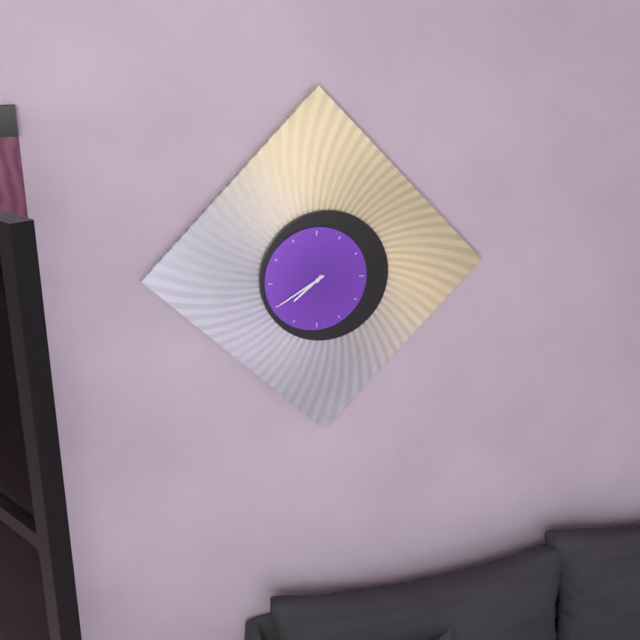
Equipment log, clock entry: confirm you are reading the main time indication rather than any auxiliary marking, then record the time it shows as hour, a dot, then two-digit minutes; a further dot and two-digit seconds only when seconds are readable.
7.40
